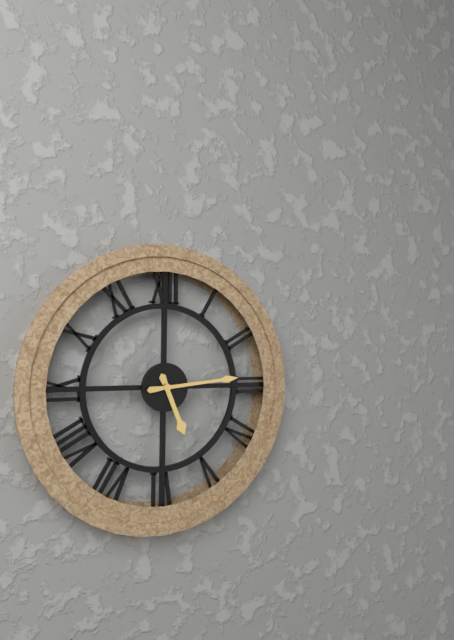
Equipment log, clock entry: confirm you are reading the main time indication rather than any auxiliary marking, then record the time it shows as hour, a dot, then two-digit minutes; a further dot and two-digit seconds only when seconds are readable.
5.14
